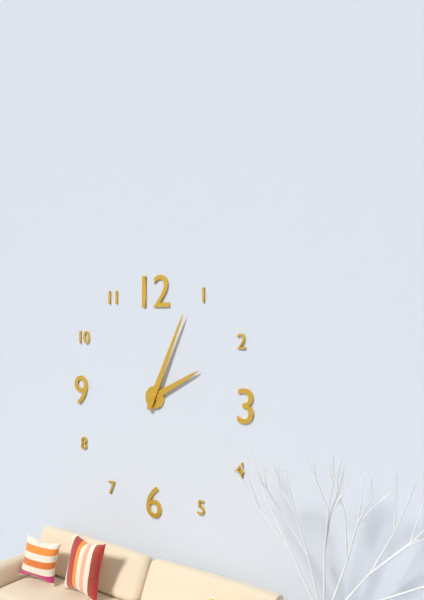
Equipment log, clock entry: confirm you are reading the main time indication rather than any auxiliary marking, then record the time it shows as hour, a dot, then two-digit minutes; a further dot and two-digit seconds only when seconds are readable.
2.04
